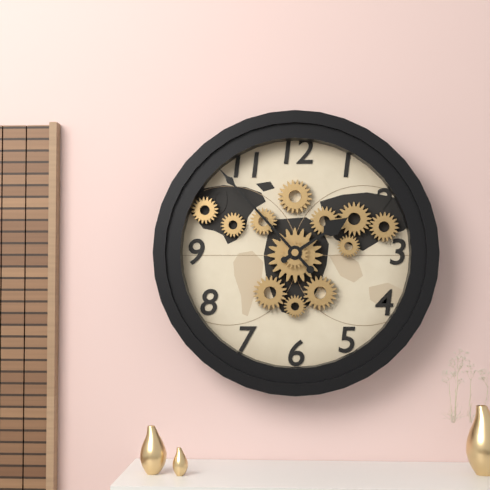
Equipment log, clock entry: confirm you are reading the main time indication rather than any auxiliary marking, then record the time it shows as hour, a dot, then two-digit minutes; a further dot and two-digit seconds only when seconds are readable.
1.53
